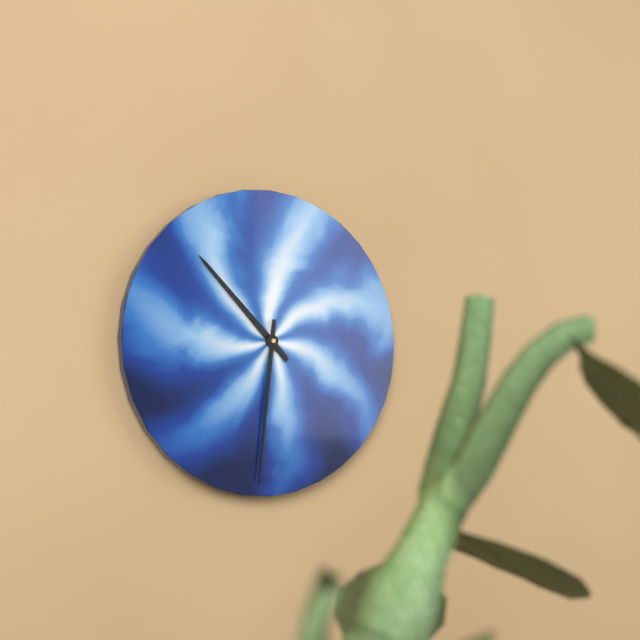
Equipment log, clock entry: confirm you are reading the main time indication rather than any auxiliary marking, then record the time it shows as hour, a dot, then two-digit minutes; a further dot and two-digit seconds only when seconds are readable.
10.31
